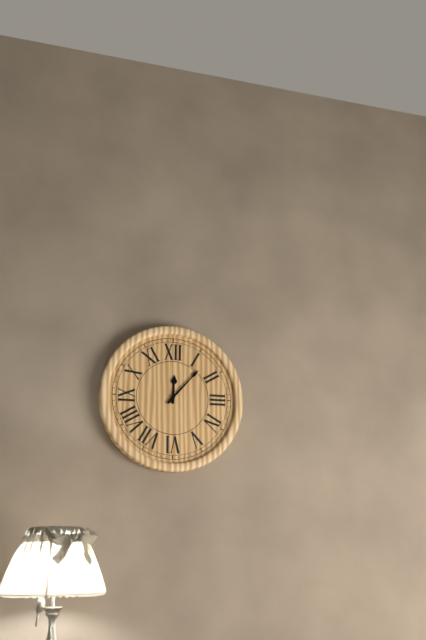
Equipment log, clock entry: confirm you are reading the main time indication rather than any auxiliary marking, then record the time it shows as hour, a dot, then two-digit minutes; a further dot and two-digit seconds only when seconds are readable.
12.07
